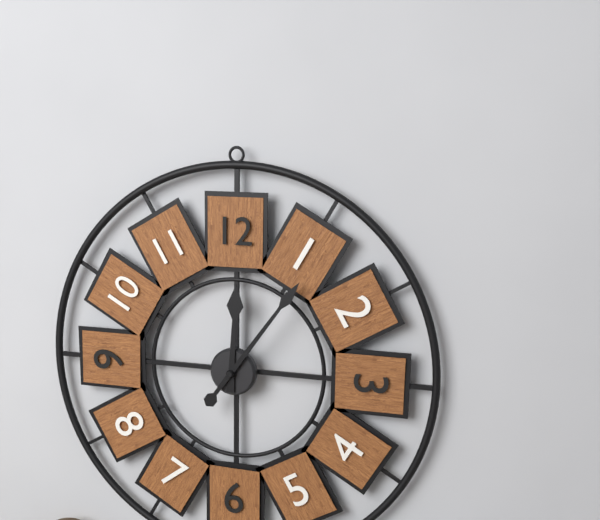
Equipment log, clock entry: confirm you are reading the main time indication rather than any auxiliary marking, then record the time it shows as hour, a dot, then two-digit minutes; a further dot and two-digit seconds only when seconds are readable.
12.06
